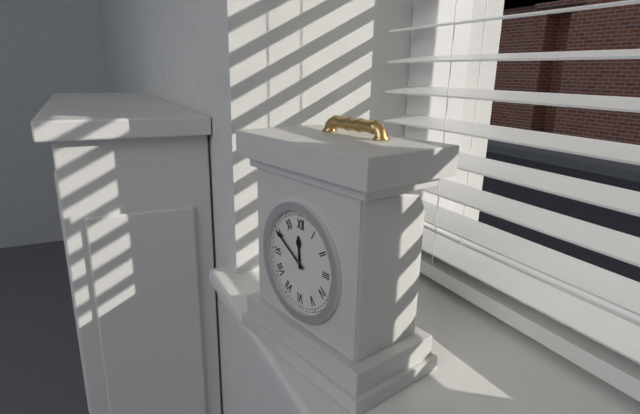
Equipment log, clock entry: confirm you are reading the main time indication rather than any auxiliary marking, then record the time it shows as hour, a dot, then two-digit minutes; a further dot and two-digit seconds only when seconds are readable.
11.50
